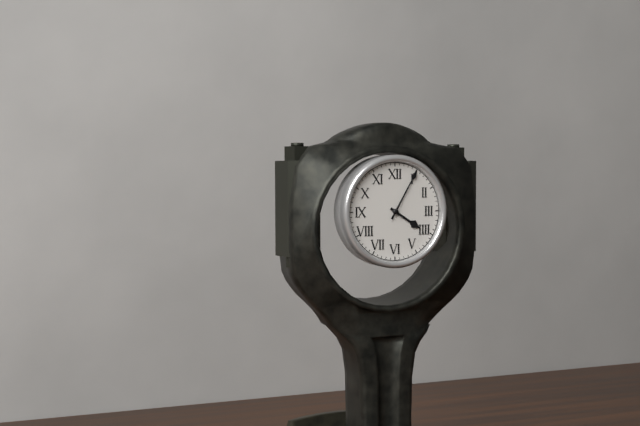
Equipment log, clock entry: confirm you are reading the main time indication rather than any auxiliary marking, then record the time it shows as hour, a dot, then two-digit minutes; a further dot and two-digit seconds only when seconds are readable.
4.05
